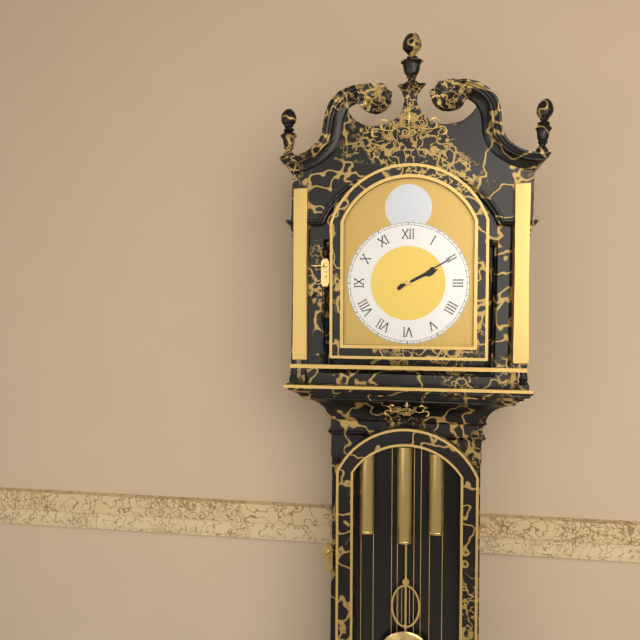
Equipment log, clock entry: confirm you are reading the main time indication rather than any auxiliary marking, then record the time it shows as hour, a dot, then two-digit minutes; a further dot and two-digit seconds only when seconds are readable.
2.10
